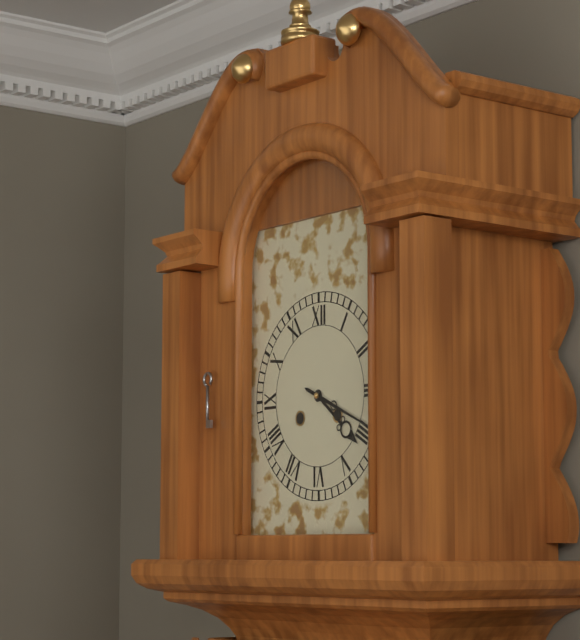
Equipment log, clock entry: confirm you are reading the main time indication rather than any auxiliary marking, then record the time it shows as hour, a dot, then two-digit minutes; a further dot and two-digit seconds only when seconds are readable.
4.19
